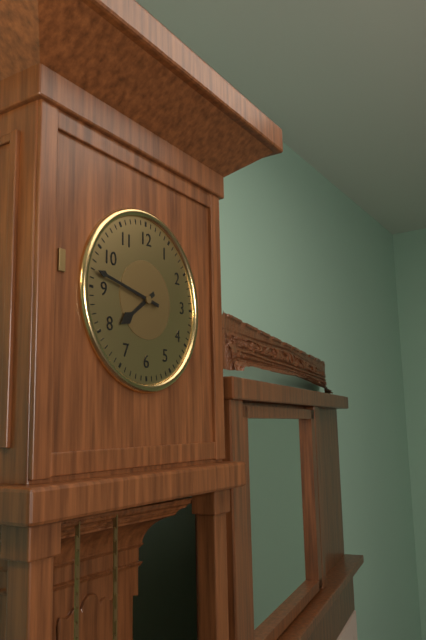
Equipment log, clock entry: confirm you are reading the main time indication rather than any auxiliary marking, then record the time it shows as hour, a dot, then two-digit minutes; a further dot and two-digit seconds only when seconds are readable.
7.47
